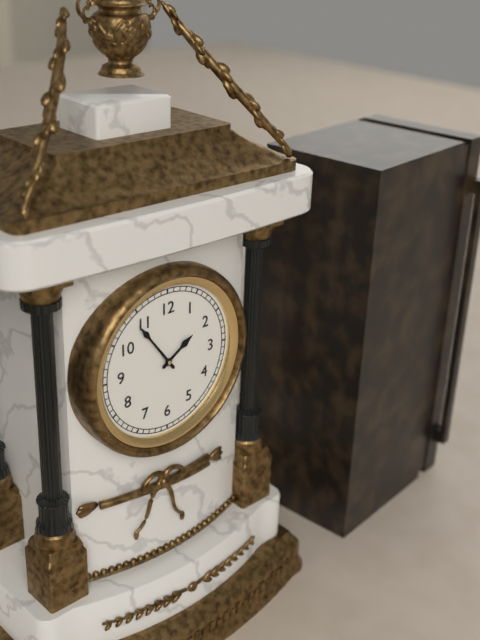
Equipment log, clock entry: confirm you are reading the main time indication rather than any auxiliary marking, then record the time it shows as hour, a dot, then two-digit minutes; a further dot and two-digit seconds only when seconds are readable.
1.54
